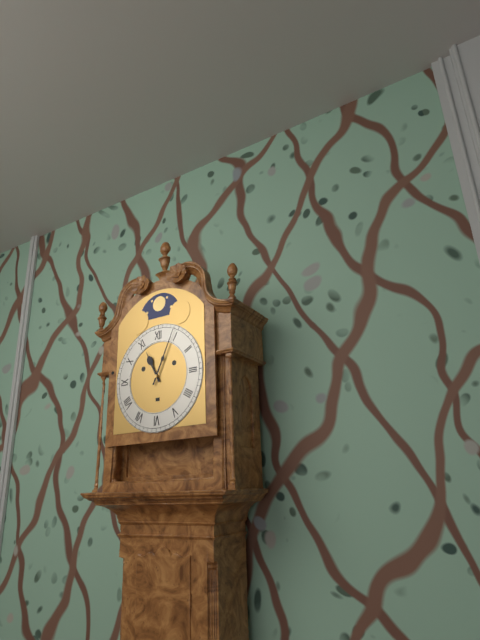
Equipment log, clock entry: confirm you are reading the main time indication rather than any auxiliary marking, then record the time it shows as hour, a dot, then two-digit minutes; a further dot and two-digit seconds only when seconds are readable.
11.04
